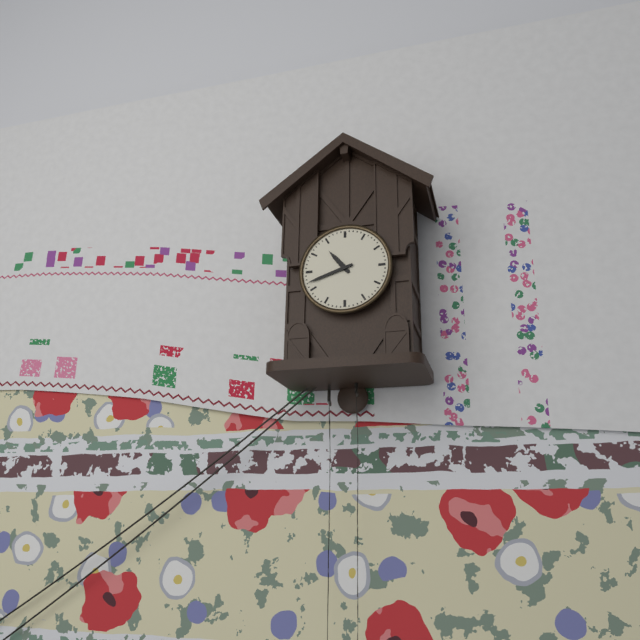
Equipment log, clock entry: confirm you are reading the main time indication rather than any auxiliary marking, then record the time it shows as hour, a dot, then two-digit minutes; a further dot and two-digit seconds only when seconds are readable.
10.42
